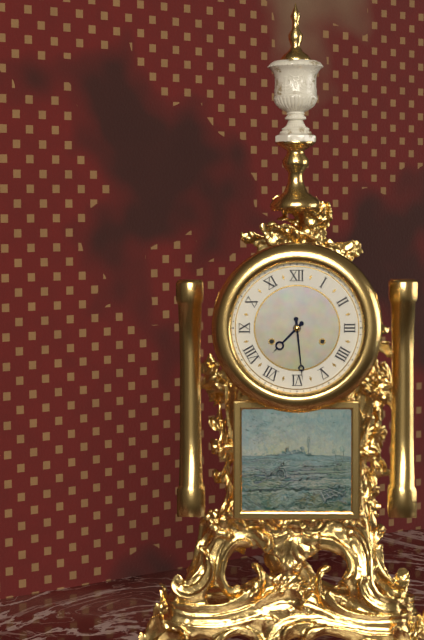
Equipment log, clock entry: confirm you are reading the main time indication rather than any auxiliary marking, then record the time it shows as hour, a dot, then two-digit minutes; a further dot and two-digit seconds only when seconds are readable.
7.29
